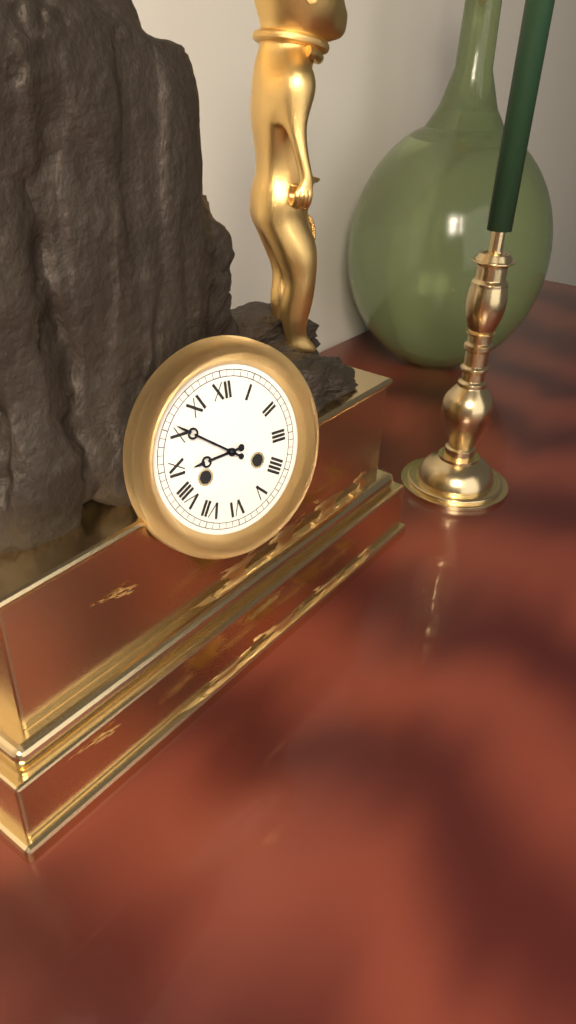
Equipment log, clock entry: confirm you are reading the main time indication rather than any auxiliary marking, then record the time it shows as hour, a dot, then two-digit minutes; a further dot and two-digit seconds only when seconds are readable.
8.51
